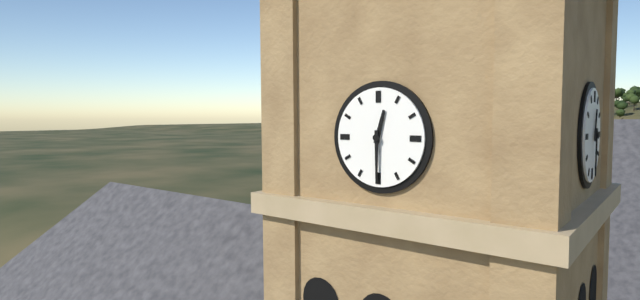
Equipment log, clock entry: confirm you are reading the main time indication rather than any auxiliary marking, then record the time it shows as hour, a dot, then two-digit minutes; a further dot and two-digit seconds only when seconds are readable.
12.30
